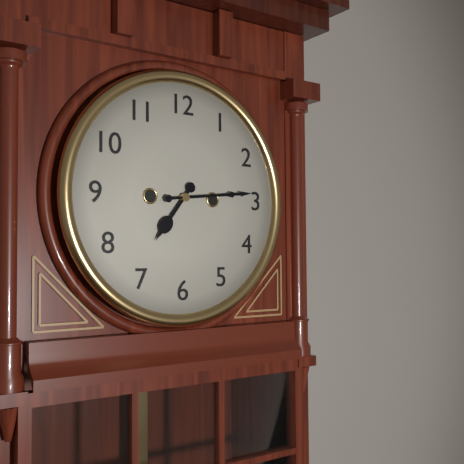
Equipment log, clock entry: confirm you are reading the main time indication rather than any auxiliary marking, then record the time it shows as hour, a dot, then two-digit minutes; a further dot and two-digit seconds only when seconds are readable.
7.14
